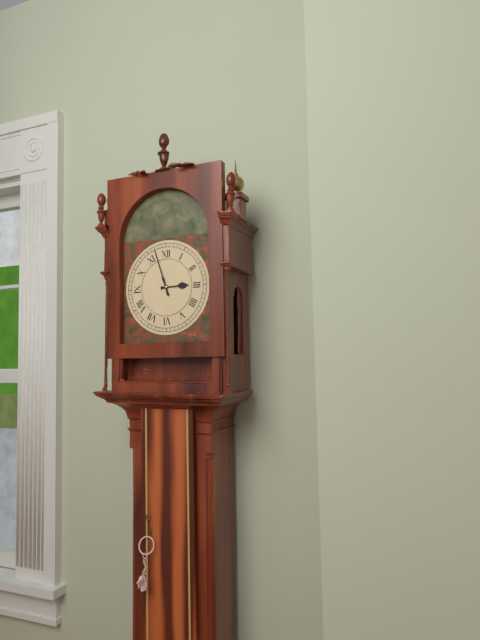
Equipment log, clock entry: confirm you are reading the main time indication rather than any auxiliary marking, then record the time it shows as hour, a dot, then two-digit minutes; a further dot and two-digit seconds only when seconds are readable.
2.57
